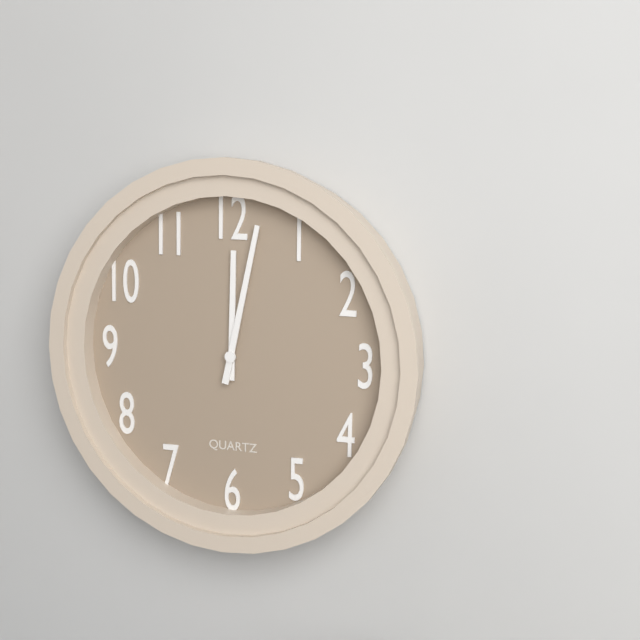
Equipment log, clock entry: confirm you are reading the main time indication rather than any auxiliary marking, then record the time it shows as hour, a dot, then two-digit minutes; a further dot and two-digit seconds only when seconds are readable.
12.02
